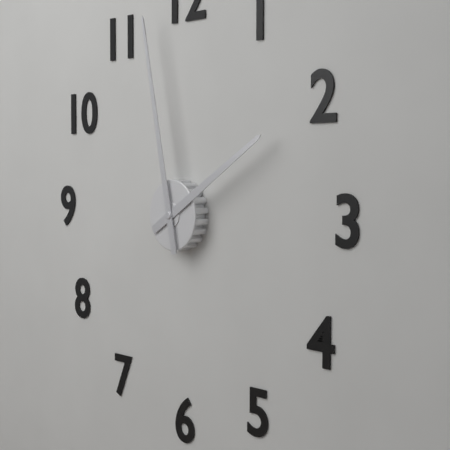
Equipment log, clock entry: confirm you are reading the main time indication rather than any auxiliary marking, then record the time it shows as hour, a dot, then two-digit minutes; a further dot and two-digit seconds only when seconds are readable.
1.58
